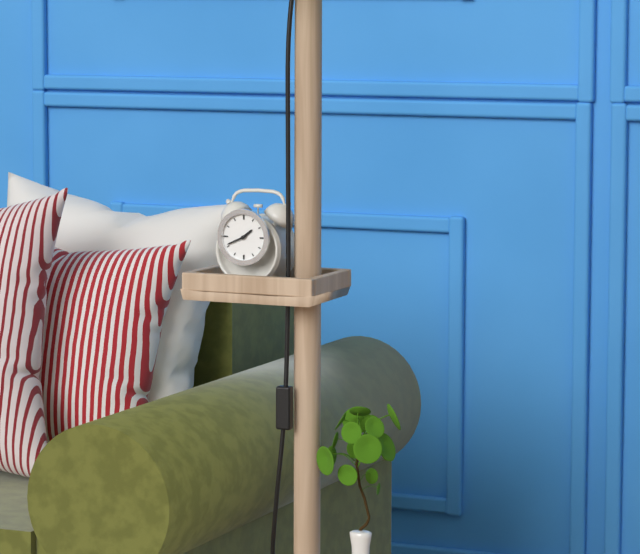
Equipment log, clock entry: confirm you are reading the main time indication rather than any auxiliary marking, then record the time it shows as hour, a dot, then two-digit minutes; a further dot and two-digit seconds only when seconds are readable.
1.41
